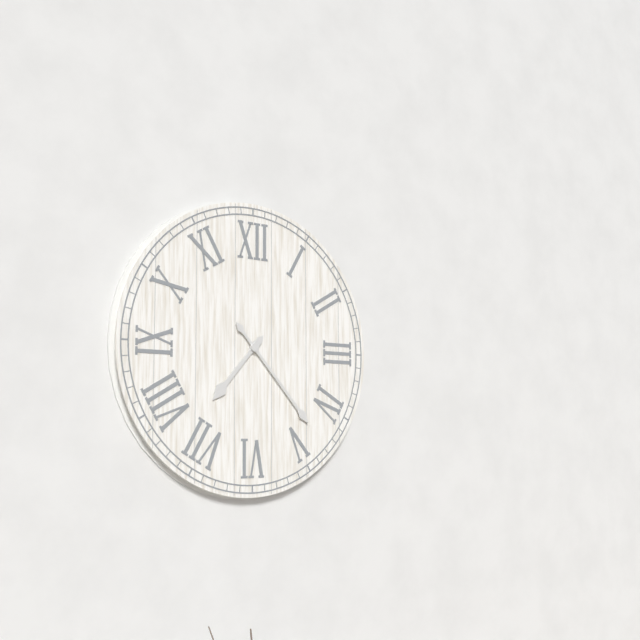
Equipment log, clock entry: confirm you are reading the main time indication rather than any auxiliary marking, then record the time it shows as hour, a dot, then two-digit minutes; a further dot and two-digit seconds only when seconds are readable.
7.23
